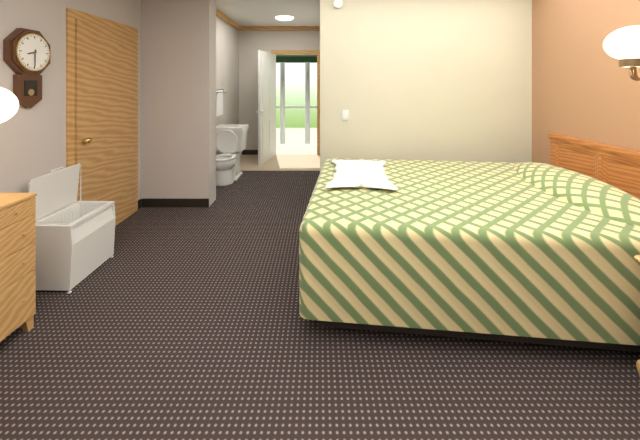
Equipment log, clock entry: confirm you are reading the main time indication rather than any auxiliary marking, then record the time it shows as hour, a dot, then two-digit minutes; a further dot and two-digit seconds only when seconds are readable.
8.30
